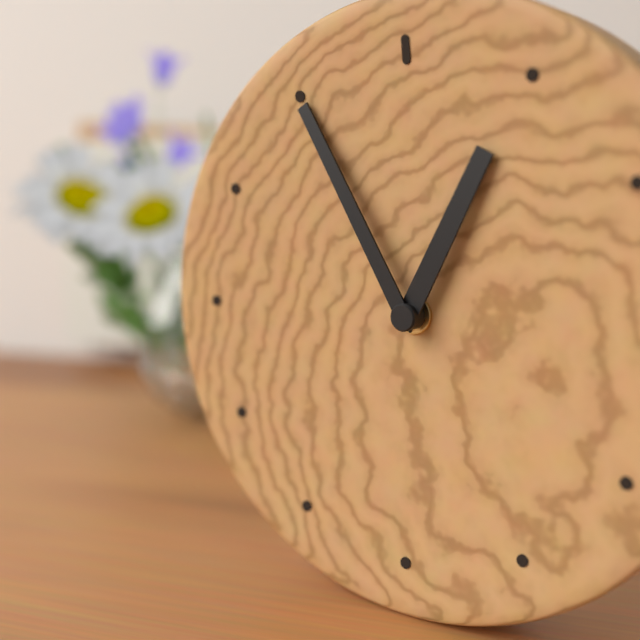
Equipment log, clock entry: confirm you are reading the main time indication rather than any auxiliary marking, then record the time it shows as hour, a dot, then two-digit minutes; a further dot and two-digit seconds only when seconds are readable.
12.55
